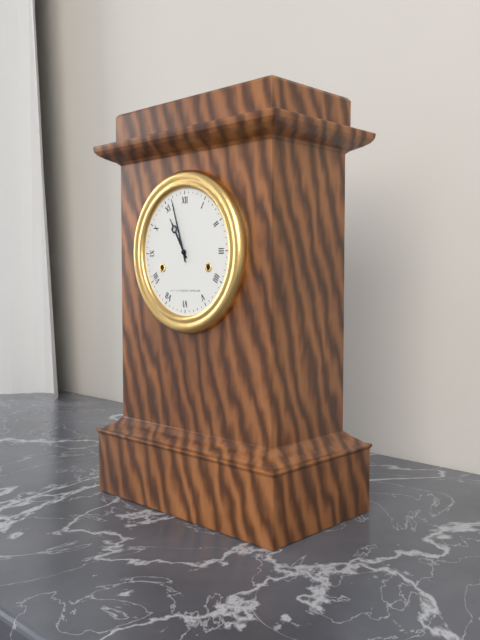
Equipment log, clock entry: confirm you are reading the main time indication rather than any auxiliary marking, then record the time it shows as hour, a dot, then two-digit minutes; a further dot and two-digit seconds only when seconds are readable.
10.57
